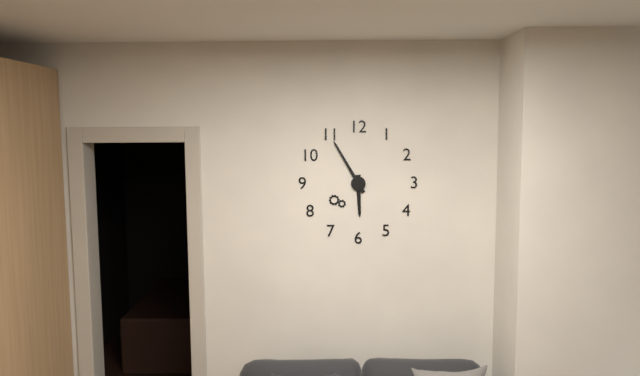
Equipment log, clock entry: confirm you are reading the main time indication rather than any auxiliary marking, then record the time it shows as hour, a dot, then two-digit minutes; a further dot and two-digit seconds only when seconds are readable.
5.55
